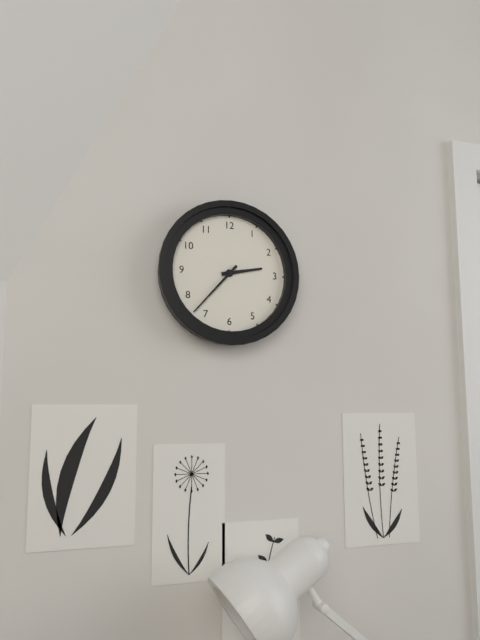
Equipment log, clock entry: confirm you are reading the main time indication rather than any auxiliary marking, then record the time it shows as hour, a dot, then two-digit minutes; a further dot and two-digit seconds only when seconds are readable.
2.37
